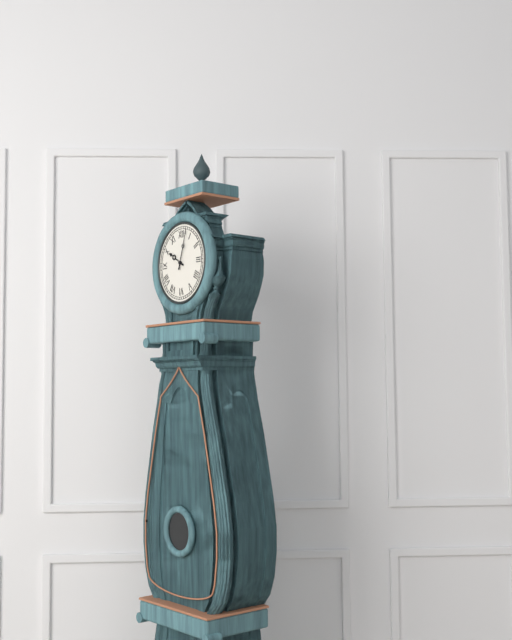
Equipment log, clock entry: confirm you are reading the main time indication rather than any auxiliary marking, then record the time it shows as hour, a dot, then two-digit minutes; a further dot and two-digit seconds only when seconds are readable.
10.03
